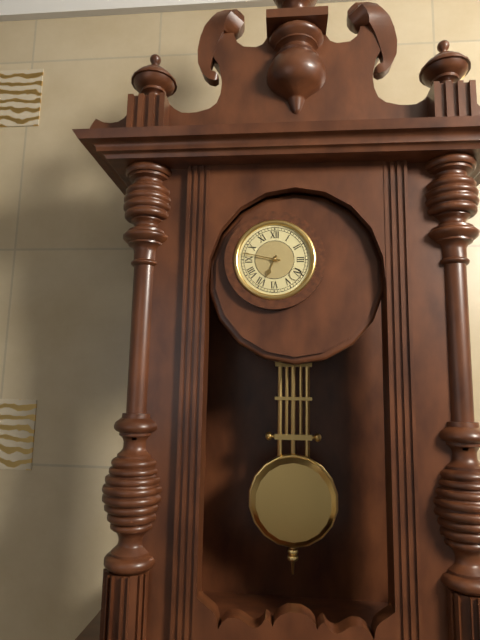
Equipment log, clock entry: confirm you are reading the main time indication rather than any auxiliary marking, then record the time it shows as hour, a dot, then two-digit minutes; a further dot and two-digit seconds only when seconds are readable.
6.47
